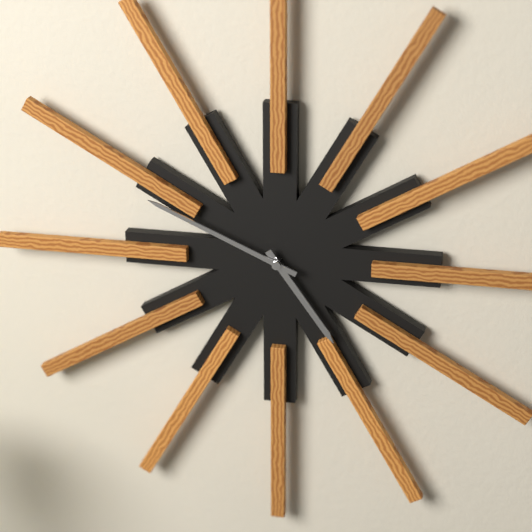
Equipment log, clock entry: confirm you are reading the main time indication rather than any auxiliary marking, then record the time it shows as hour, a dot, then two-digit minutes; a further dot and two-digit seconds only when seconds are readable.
4.49
